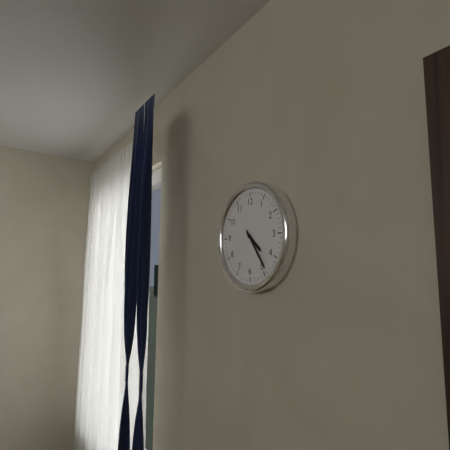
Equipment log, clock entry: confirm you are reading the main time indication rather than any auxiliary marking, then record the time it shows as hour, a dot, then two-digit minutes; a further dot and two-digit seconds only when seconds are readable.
4.24
